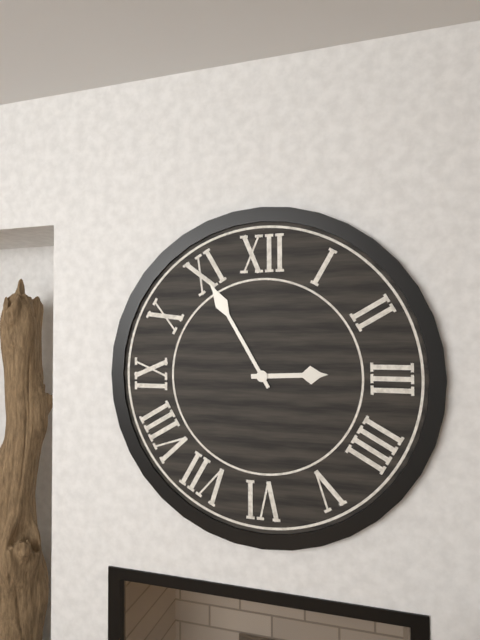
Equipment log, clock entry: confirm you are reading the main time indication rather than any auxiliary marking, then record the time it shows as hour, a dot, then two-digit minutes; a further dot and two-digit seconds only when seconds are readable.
2.55
